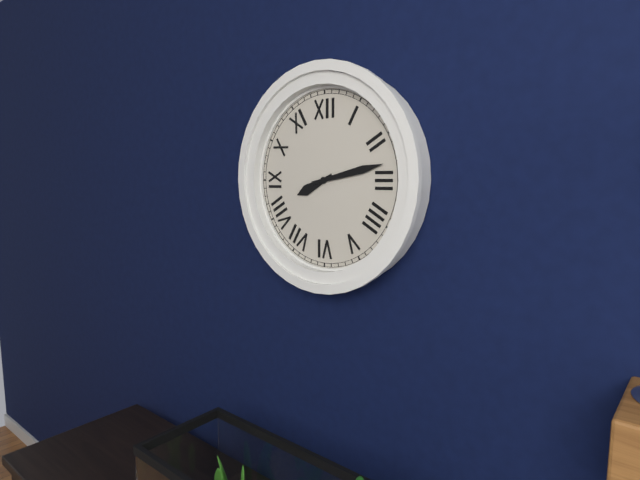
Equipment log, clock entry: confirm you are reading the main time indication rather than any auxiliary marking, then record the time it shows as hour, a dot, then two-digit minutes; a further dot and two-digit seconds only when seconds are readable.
8.13
